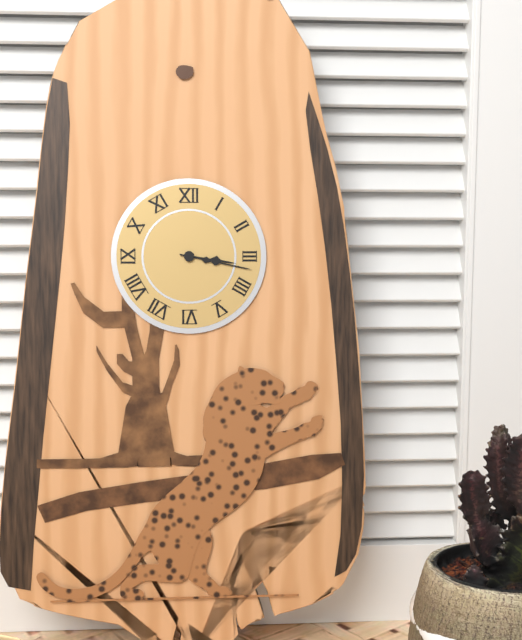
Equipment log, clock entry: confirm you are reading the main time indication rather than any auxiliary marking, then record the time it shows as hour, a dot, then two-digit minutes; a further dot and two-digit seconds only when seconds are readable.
3.17
